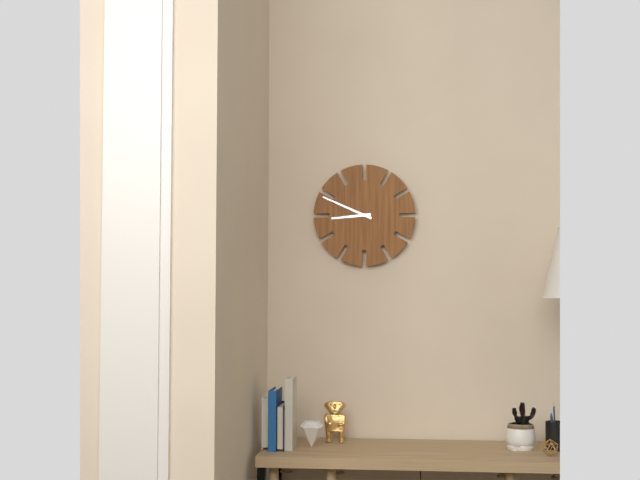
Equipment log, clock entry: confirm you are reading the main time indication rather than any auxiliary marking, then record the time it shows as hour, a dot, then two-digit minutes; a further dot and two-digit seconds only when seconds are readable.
8.49
